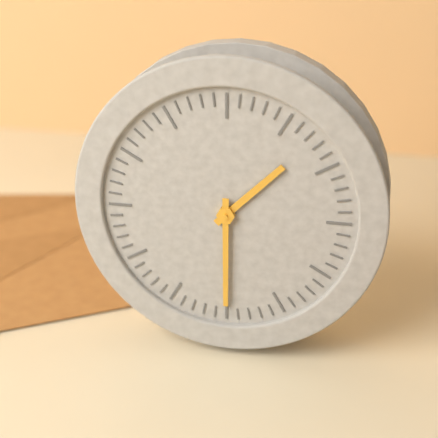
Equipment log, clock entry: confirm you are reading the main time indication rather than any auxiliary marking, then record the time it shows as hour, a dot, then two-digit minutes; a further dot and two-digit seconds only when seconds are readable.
1.30
